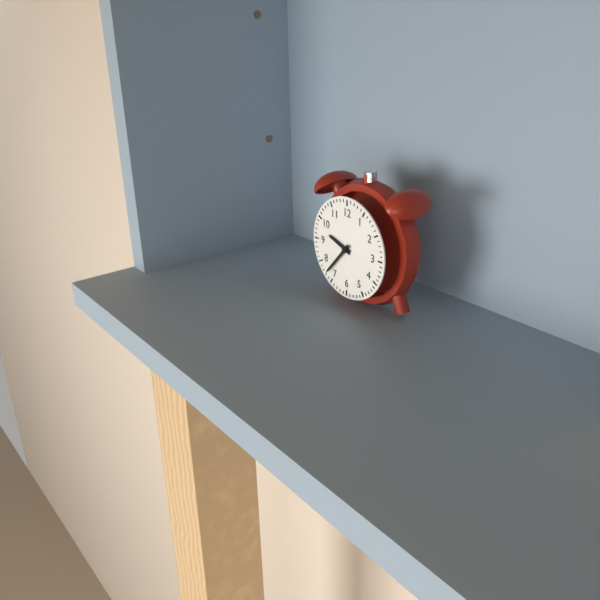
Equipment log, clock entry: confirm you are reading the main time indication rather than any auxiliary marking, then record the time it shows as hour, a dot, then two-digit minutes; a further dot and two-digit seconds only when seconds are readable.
9.37
